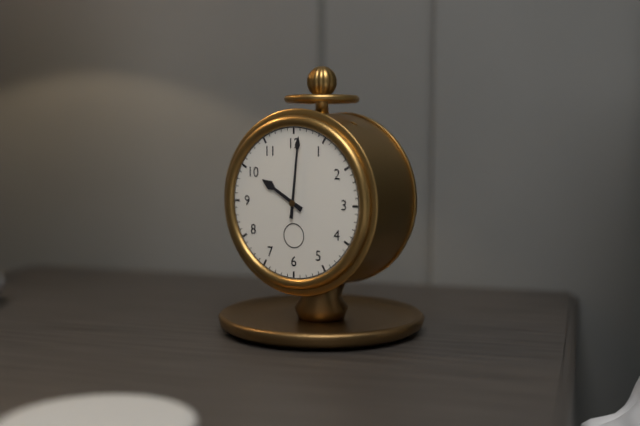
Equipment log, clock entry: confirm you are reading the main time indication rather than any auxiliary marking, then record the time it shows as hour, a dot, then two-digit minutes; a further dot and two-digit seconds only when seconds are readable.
10.01
